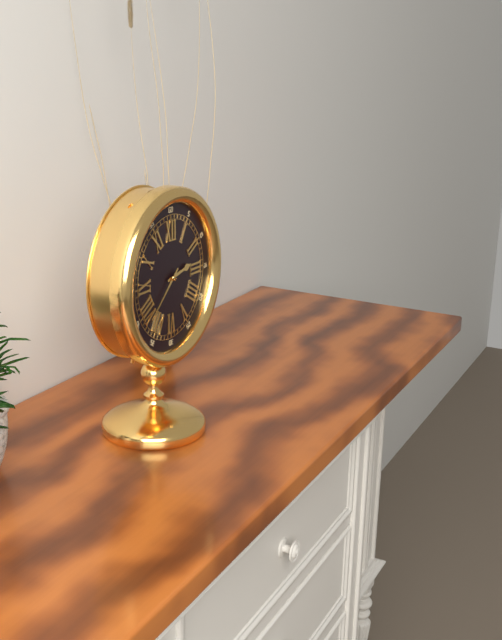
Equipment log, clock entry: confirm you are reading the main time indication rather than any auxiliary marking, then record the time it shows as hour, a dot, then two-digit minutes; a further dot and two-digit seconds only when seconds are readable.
2.38
